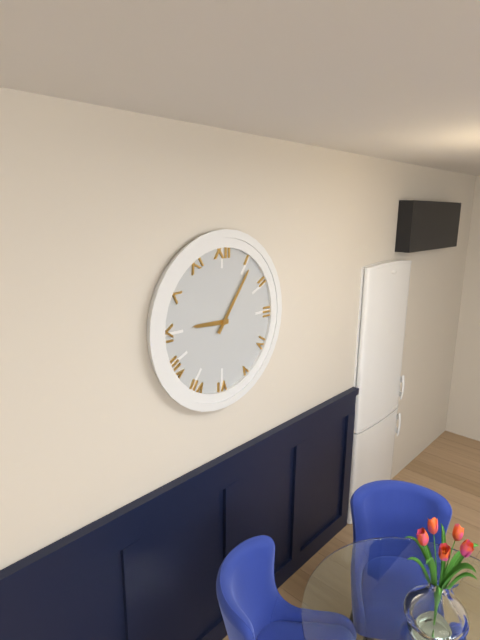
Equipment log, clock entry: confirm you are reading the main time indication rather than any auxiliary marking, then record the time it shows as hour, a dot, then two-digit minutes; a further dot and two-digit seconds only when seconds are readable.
9.06
